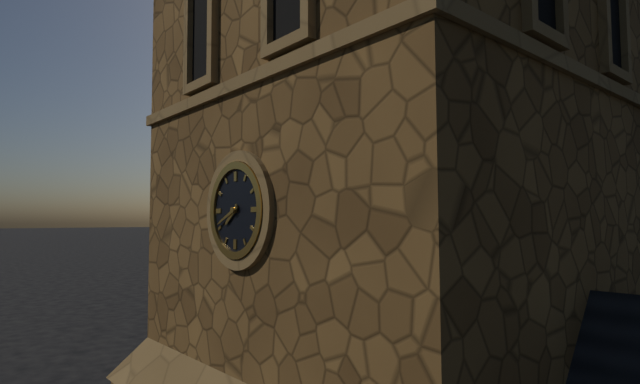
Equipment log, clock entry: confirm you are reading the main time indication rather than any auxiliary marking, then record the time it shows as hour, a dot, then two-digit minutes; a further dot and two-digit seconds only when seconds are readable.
7.41
